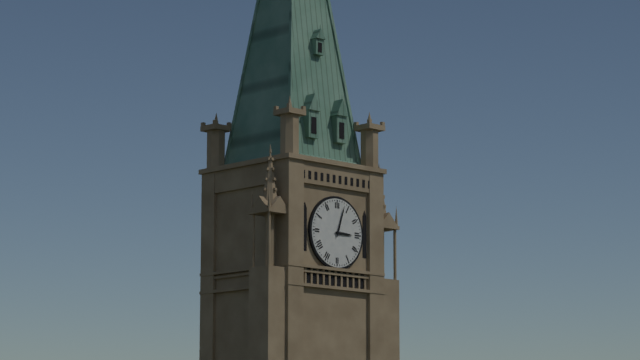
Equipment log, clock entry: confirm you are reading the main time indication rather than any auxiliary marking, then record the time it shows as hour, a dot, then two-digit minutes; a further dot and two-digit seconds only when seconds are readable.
3.03
